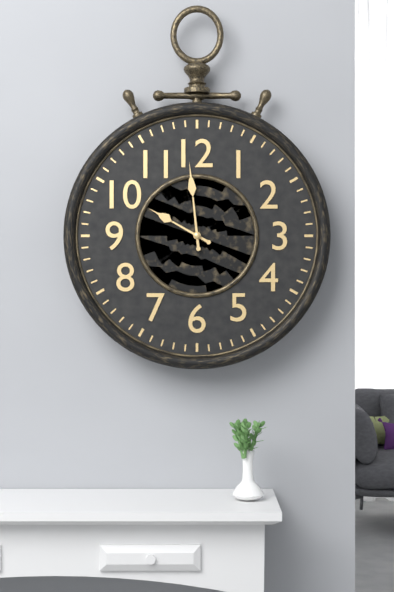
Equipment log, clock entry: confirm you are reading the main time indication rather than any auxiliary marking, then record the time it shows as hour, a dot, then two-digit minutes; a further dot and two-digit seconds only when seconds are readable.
9.59
